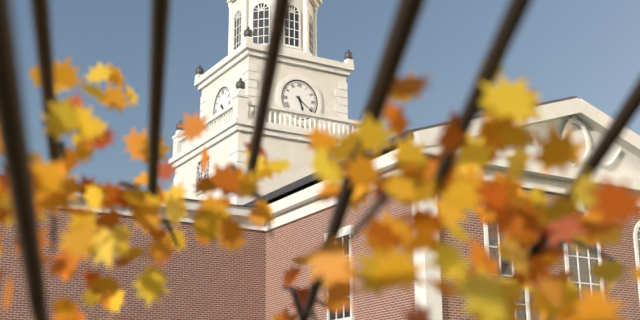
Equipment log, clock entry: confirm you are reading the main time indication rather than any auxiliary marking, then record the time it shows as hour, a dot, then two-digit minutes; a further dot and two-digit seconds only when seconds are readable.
5.21
